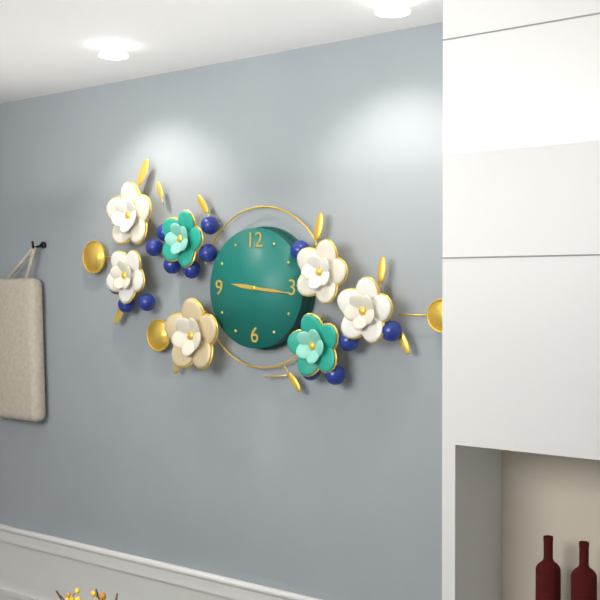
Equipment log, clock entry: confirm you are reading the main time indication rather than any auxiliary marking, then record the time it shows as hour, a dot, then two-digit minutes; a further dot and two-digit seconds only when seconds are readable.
9.16
